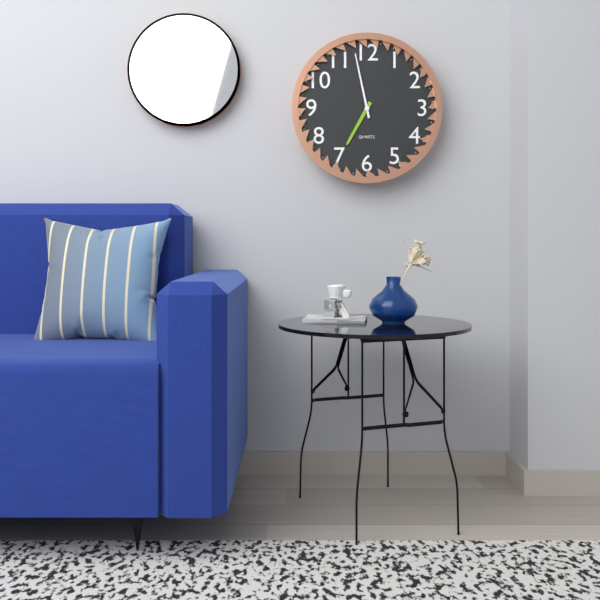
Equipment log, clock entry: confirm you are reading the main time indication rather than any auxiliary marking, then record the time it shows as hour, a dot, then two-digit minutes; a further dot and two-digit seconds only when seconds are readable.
6.58
